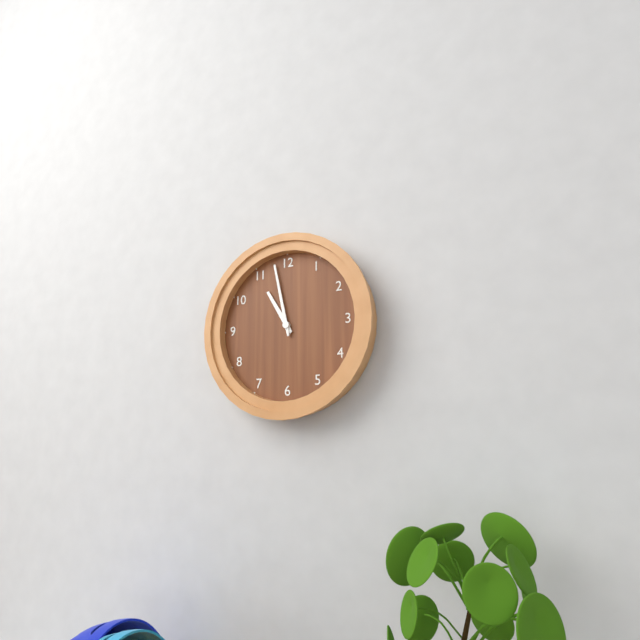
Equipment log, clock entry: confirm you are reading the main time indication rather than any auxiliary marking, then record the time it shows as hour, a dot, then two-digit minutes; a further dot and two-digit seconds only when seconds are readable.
10.58
